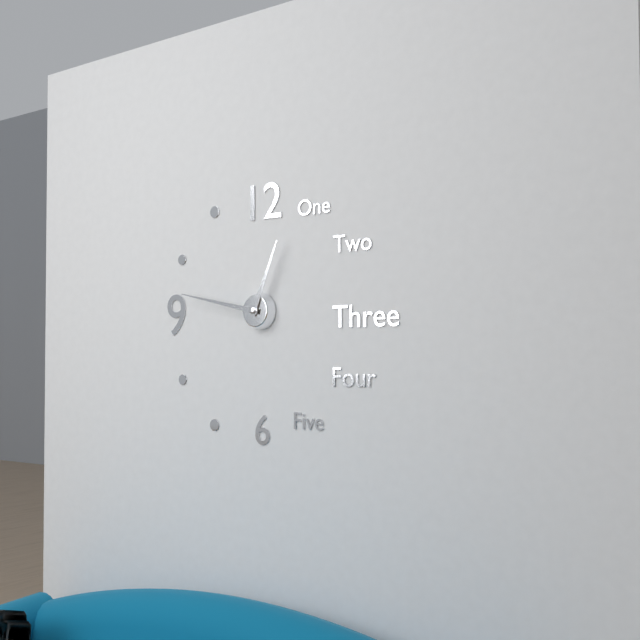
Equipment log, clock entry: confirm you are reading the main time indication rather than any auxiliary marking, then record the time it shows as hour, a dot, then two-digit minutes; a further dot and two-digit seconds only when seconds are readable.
12.47
